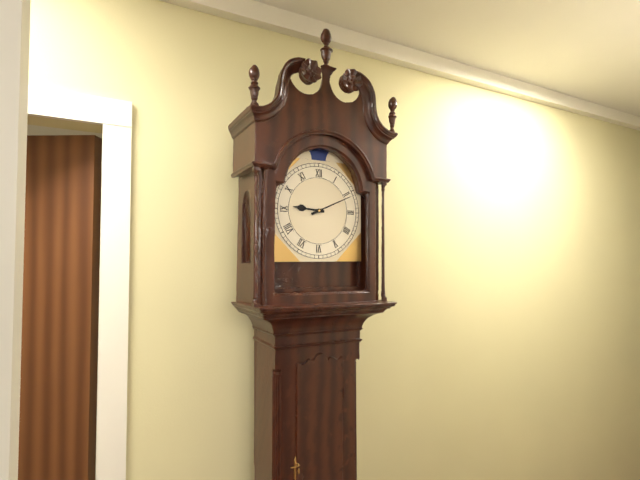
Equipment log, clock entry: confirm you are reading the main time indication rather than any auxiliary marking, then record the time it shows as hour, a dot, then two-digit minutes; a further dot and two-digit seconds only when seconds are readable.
9.11
